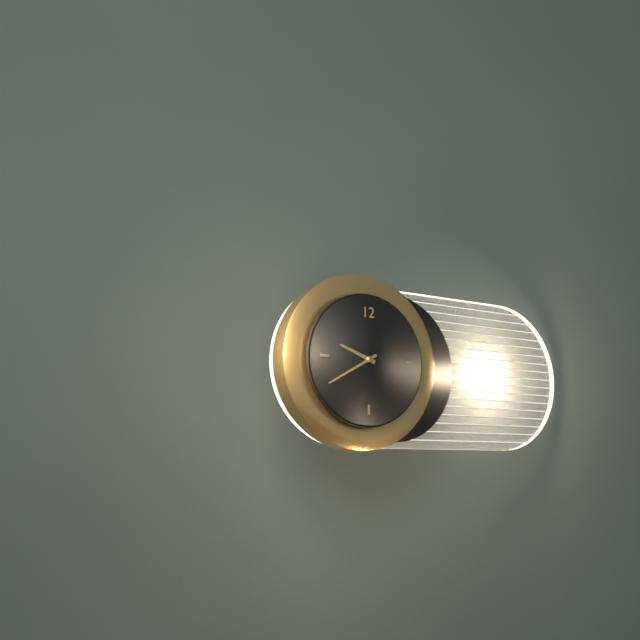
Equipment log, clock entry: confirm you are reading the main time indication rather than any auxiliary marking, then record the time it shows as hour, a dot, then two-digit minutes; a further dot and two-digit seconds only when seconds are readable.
9.40
